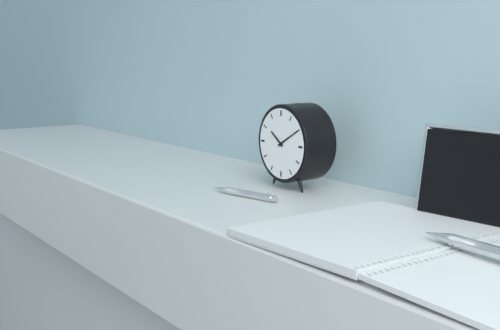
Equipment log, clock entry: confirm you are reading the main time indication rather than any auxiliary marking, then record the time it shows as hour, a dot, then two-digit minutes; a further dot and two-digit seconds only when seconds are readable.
10.10
